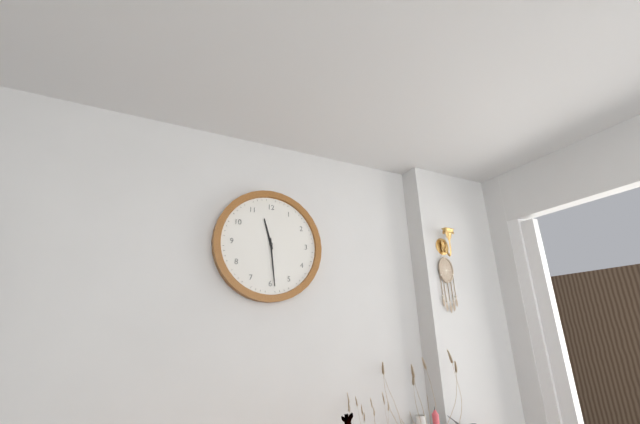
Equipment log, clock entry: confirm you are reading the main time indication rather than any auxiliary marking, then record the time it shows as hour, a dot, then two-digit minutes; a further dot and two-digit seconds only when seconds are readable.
11.29
